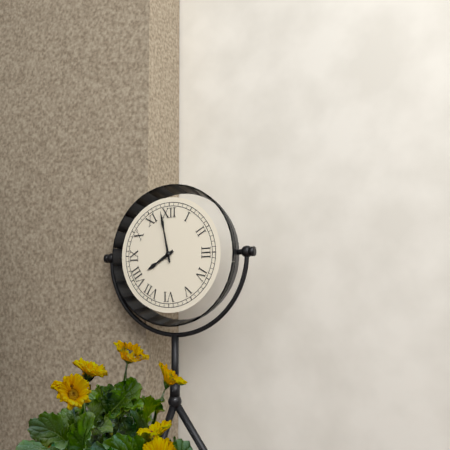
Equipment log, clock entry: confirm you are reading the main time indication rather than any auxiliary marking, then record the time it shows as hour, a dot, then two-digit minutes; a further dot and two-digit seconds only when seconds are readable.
7.58
